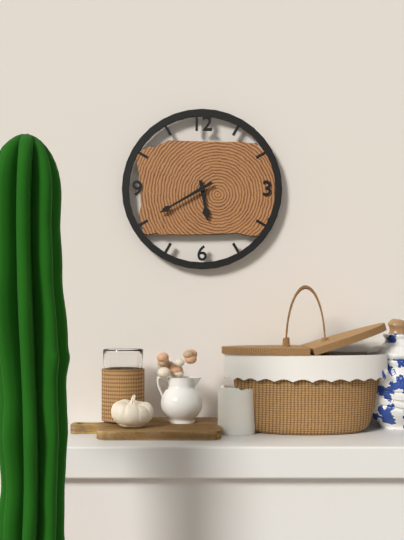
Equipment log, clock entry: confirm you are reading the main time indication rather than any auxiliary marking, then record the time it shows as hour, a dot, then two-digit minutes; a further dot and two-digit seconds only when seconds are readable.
5.40
